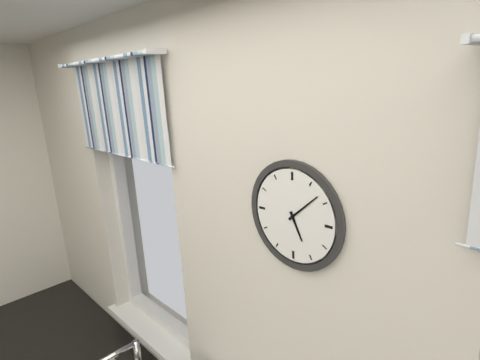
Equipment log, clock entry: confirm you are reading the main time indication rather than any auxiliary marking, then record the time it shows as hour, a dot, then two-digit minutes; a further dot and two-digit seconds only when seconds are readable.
5.08
